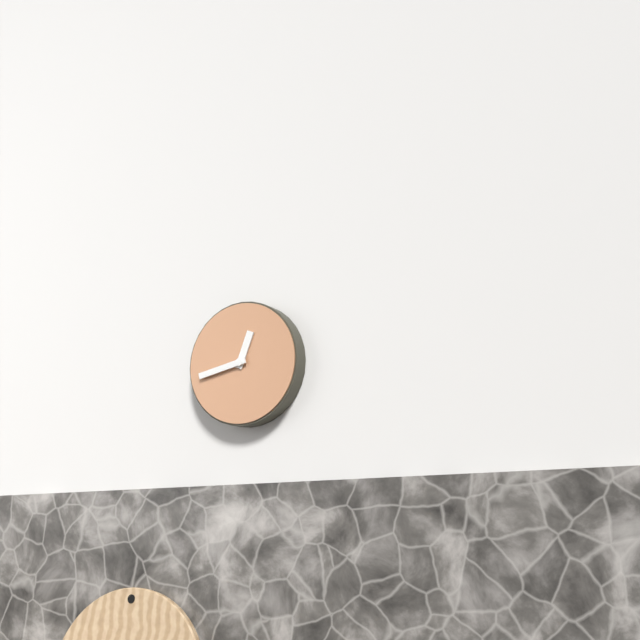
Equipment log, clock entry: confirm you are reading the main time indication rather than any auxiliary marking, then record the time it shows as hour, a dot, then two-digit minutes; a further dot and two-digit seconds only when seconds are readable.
12.43
